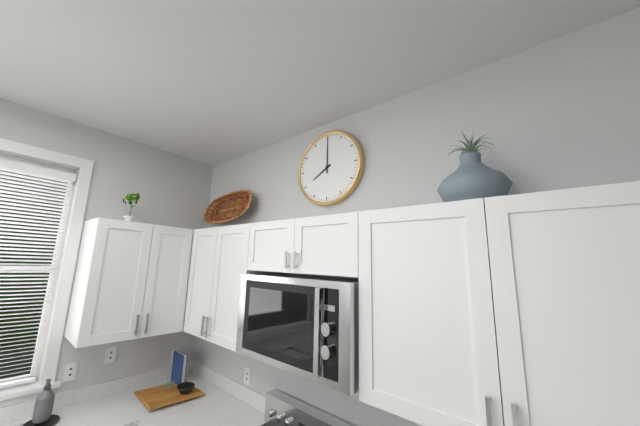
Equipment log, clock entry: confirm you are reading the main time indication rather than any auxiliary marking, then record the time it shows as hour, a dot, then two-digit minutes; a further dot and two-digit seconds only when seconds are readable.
8.00
